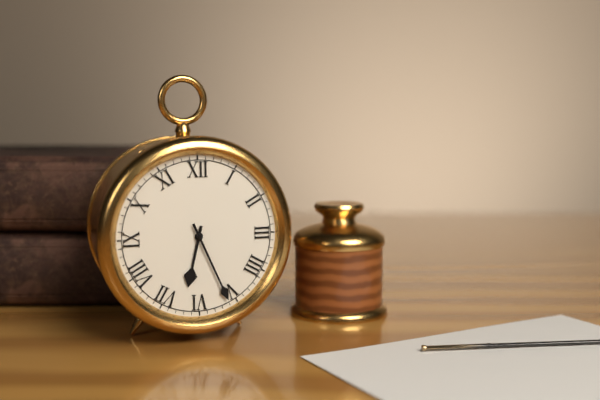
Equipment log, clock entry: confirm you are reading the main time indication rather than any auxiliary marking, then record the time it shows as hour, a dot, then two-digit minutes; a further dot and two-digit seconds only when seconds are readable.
6.26
